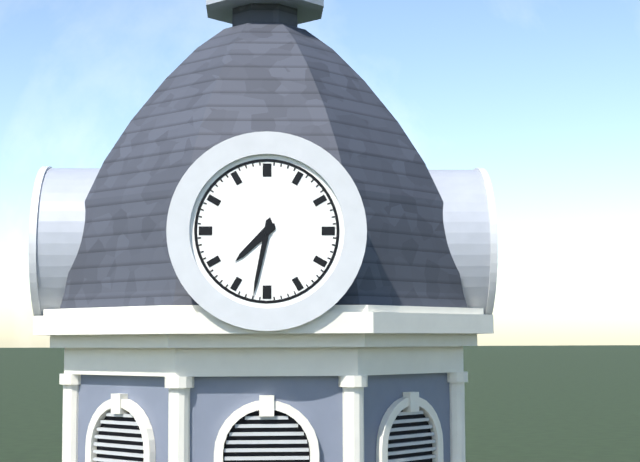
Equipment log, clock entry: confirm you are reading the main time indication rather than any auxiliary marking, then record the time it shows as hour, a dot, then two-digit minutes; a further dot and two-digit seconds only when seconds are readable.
7.32
